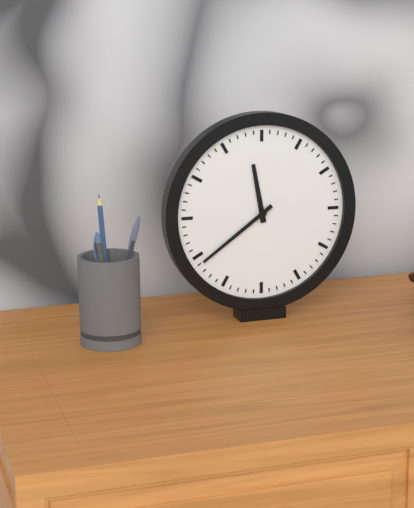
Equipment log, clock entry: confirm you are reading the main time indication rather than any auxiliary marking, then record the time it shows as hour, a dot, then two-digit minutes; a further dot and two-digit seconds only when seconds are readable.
11.39
